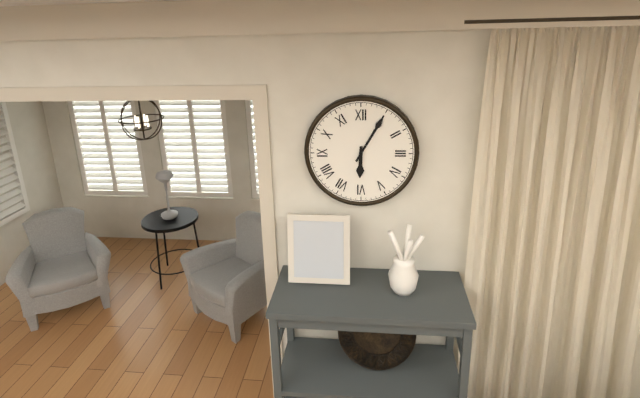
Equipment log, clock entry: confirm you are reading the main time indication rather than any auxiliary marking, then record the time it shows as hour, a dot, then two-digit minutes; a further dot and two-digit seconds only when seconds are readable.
6.05
